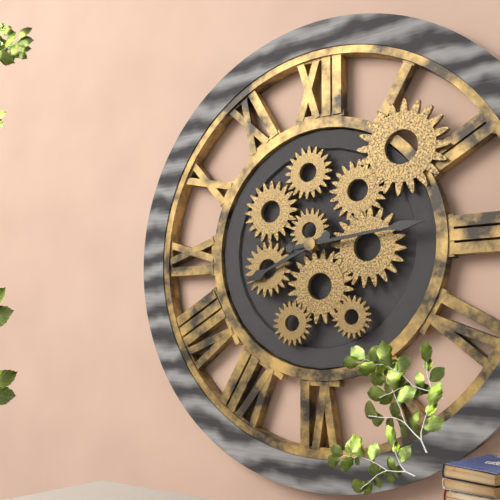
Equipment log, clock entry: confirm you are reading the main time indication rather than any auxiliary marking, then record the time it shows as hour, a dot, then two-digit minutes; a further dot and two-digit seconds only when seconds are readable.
8.14
